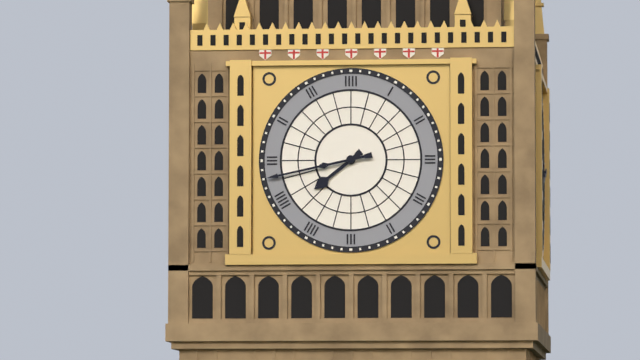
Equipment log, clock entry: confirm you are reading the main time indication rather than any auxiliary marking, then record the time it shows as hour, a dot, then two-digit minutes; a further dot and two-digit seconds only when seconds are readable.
7.43
